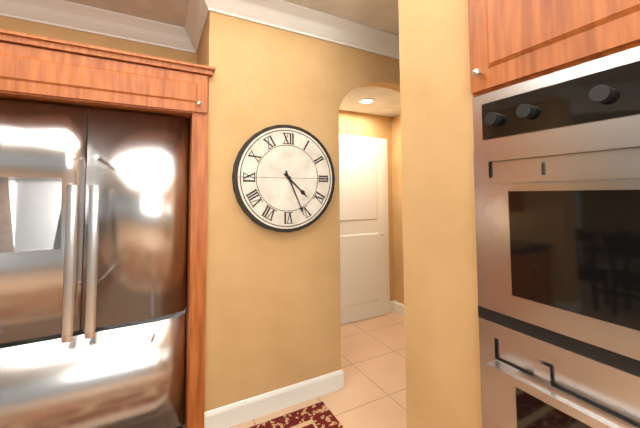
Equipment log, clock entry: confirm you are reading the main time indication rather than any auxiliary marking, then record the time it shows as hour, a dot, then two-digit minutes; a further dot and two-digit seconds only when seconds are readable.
4.26
